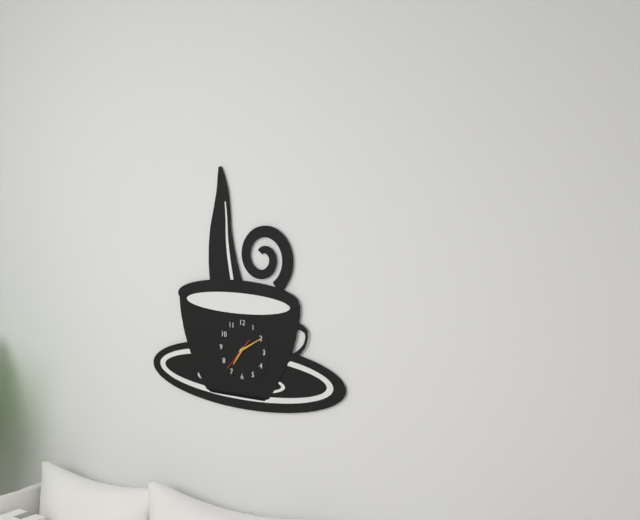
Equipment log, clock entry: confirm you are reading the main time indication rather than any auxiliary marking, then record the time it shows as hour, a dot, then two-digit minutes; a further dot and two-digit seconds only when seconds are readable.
7.10
